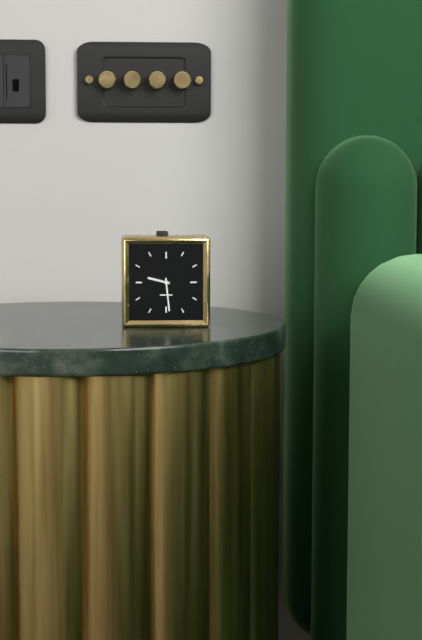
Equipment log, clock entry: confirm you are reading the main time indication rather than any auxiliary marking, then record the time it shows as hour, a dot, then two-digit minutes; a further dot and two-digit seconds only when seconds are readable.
9.29
